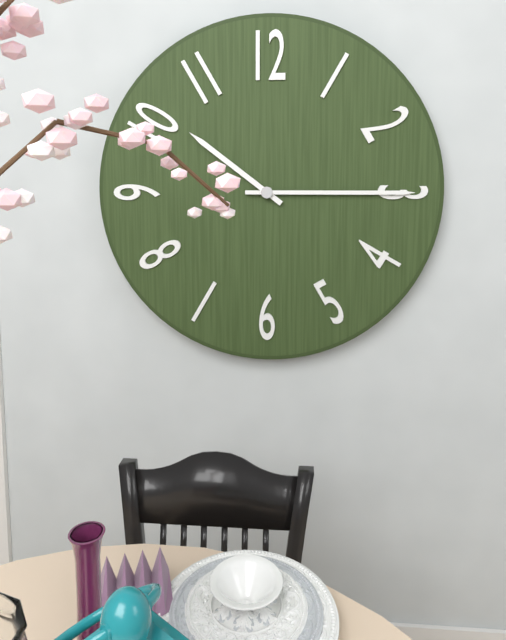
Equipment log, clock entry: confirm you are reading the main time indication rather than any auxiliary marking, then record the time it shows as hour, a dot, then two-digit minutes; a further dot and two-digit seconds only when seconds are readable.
10.15
